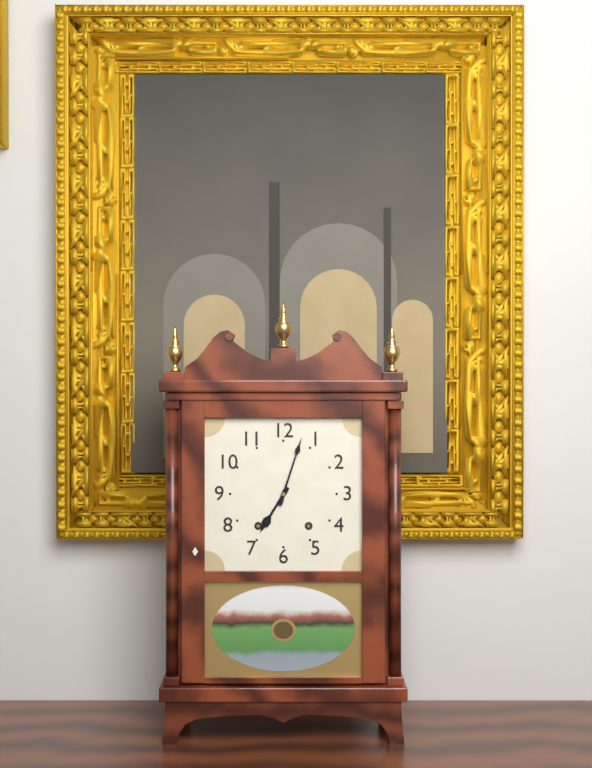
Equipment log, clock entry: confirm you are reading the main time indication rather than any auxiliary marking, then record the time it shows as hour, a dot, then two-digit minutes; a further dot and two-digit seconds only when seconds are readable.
7.03
